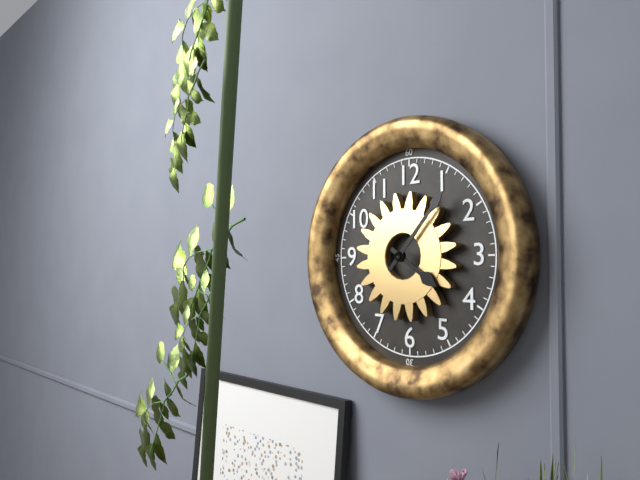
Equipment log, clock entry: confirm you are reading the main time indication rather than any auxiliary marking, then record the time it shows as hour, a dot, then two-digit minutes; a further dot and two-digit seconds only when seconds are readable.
4.07
